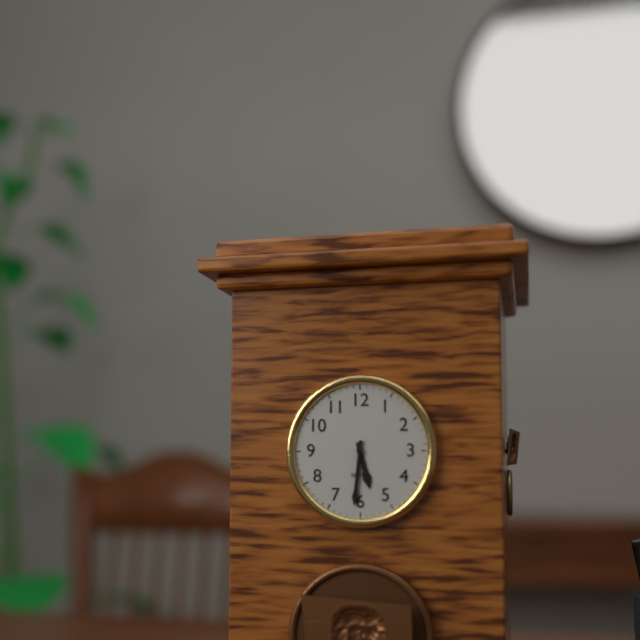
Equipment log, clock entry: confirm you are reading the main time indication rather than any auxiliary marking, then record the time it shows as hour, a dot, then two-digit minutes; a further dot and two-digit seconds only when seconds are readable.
5.31
